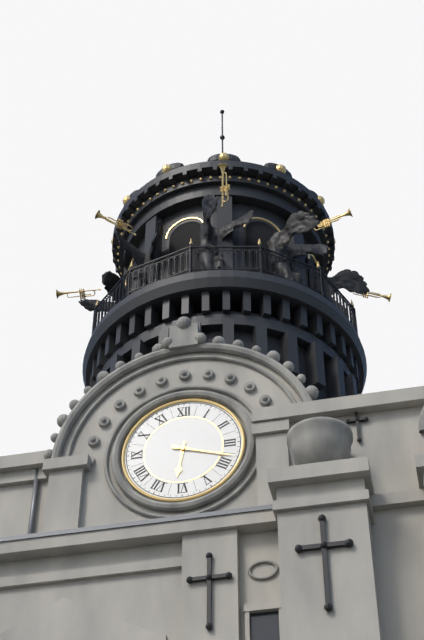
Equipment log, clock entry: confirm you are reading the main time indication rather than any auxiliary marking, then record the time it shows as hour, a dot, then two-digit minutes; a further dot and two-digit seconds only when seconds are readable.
6.18
